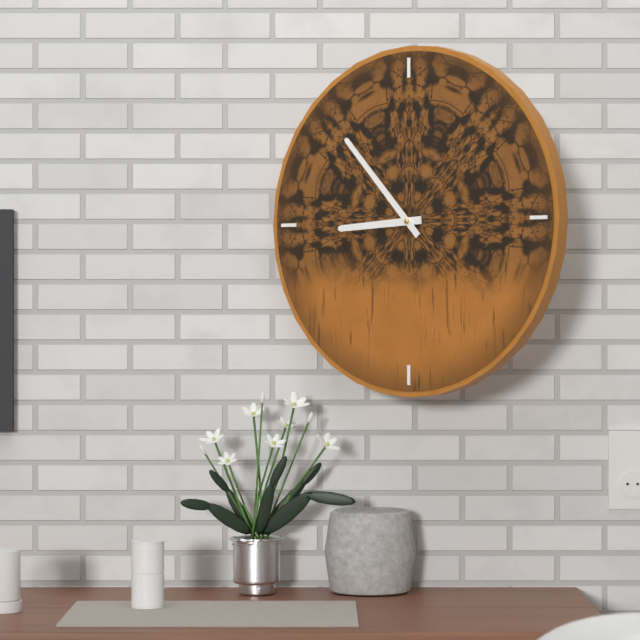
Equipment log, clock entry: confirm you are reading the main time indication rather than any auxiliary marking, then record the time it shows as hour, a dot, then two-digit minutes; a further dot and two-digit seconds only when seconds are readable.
8.53
